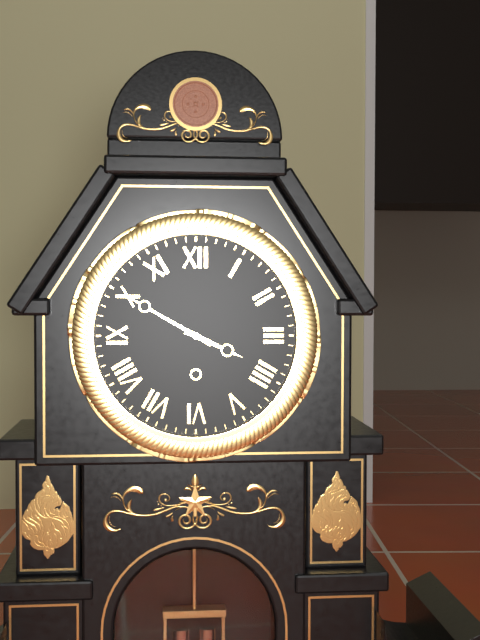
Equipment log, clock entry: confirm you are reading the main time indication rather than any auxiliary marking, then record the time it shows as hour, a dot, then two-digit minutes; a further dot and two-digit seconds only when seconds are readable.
3.50
